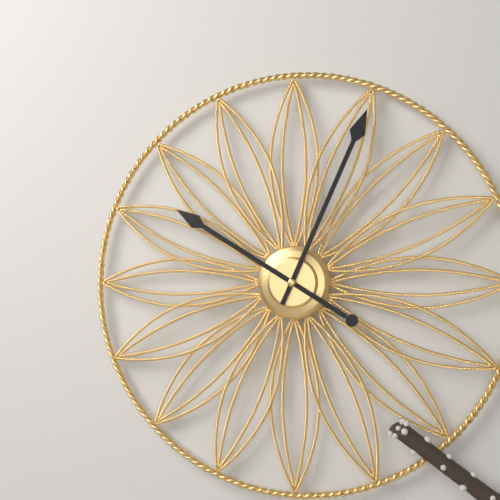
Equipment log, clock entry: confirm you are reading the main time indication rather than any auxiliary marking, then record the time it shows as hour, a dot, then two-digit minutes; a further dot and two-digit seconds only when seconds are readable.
10.04
